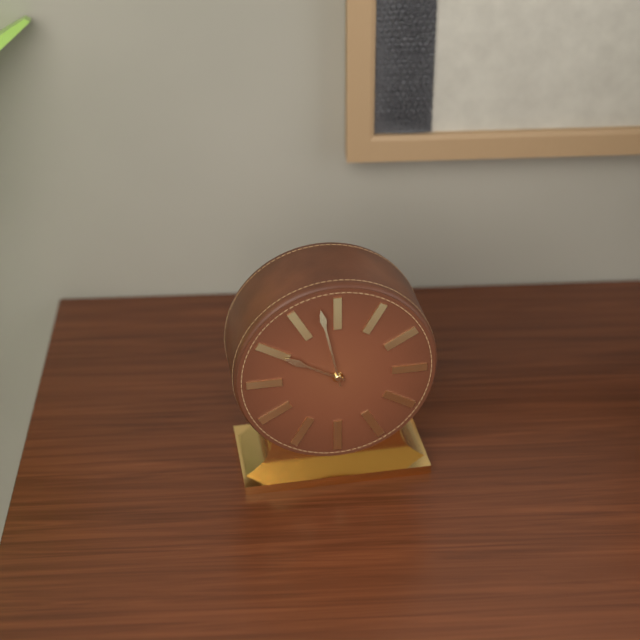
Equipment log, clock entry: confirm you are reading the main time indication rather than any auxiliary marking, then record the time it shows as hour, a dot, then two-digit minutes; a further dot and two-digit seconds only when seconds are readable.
9.58
